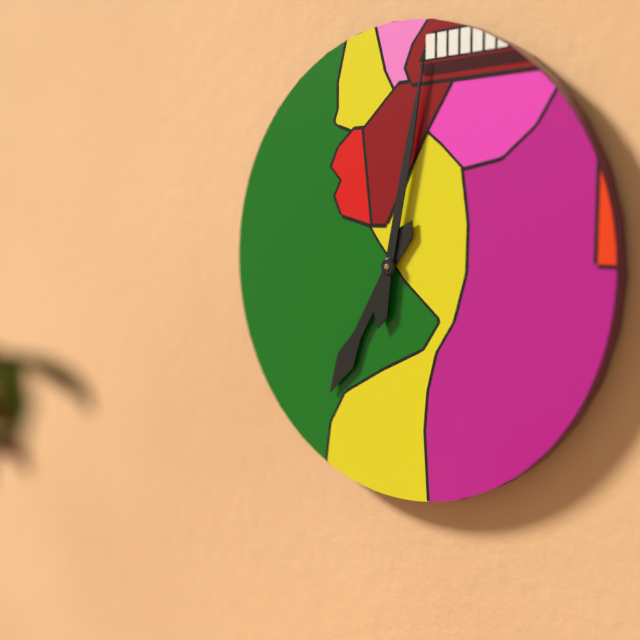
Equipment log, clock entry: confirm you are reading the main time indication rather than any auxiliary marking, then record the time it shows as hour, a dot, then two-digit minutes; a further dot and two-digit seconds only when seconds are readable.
7.02
